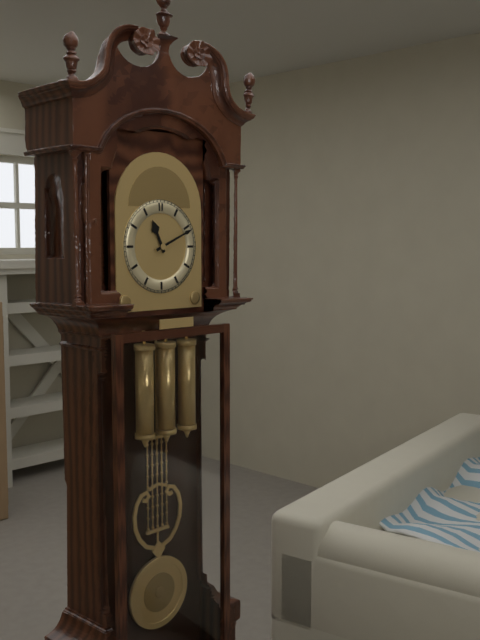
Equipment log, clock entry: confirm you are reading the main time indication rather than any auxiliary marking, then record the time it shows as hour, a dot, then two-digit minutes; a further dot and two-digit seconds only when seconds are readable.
11.11
